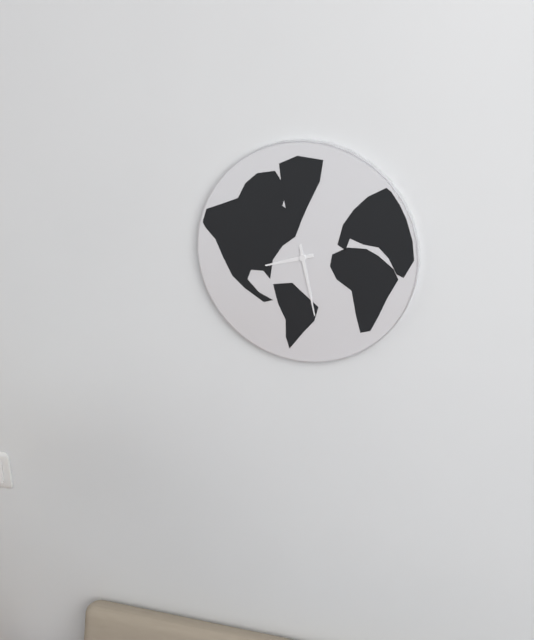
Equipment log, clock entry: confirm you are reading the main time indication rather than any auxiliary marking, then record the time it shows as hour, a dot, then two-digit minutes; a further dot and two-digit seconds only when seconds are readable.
8.28
